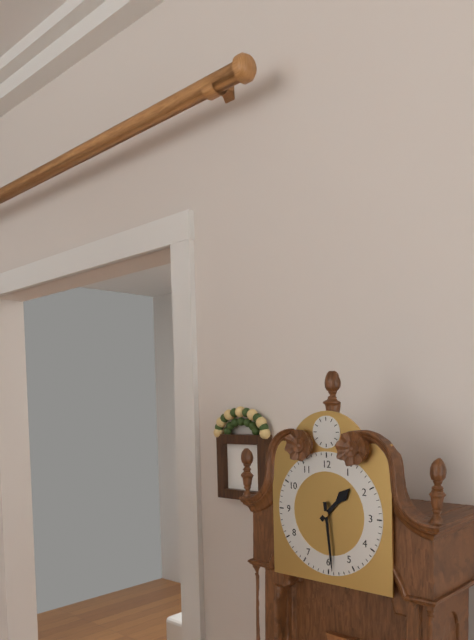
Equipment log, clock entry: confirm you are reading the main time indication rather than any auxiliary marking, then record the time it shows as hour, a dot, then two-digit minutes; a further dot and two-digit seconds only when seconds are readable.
1.29
